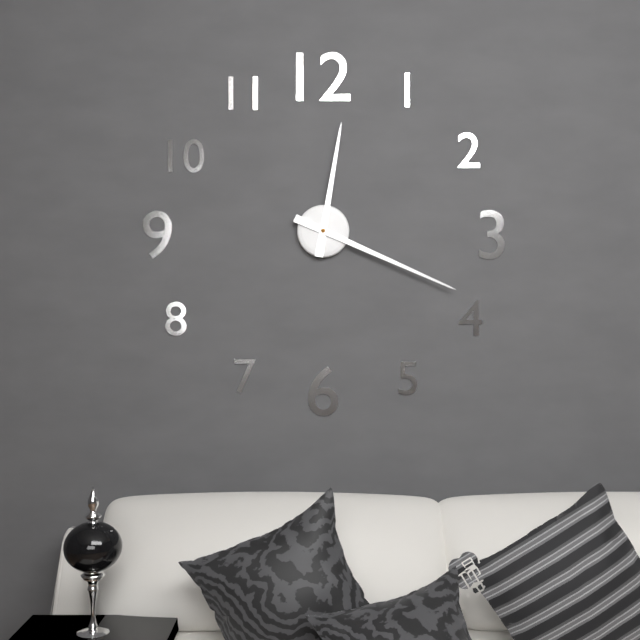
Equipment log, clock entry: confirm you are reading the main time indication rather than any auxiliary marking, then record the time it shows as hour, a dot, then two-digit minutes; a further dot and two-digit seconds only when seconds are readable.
12.19
